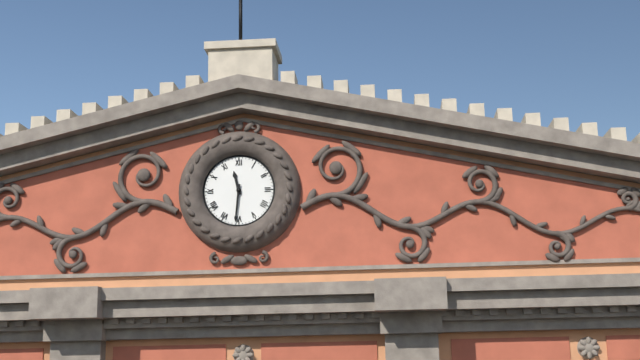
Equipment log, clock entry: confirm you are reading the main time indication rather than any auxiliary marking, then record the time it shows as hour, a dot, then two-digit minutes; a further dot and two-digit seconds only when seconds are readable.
11.31
